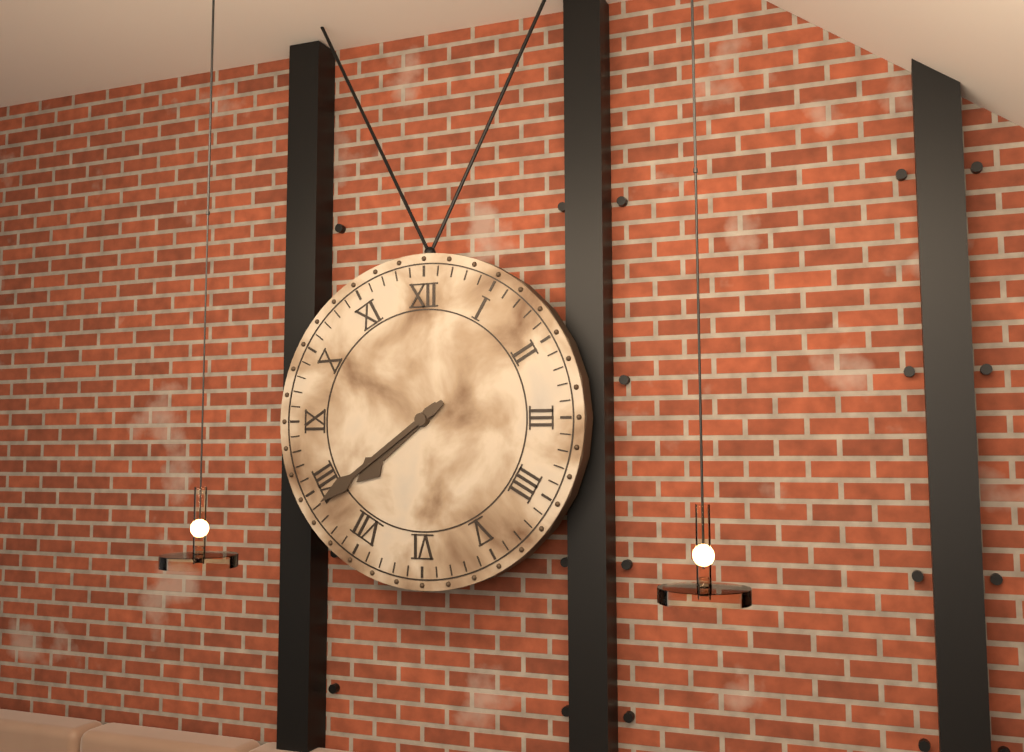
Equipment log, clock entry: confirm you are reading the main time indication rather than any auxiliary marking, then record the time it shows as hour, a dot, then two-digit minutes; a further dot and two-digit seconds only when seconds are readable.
7.39
